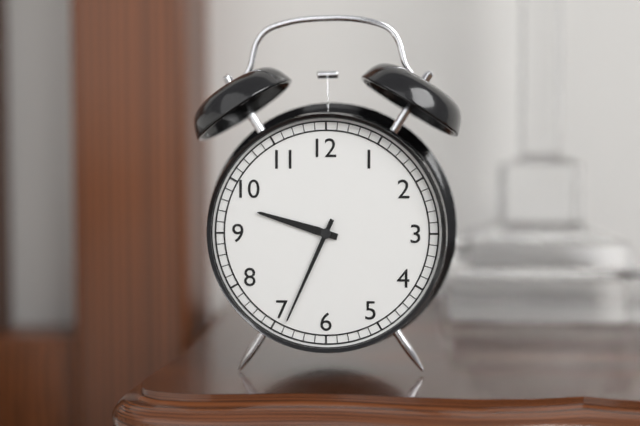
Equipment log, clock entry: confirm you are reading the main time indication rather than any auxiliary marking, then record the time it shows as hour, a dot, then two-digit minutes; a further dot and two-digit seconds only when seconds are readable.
9.34
